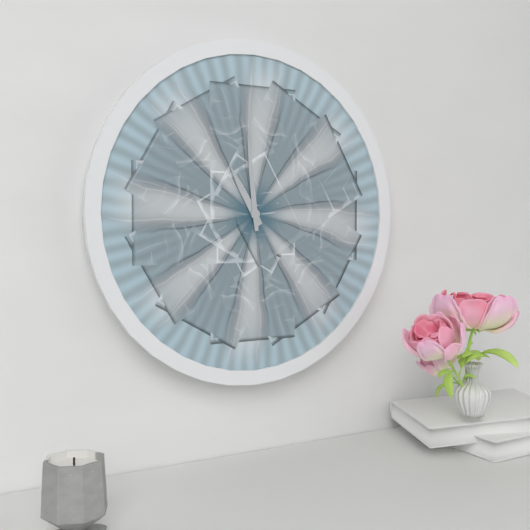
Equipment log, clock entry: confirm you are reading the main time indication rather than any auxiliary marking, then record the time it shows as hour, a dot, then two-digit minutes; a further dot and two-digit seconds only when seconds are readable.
10.59
